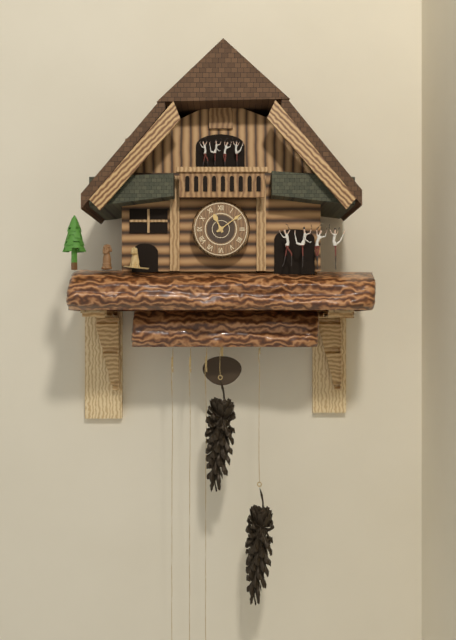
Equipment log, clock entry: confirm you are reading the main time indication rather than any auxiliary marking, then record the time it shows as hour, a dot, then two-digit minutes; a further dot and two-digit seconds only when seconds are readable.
11.09
